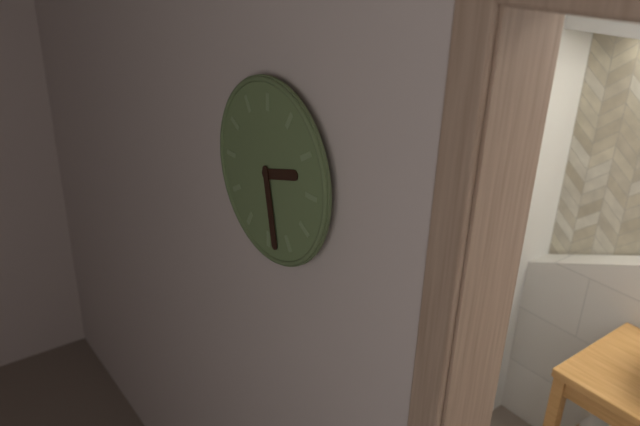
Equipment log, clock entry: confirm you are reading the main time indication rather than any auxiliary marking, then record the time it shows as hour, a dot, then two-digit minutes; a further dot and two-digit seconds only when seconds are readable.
2.28
